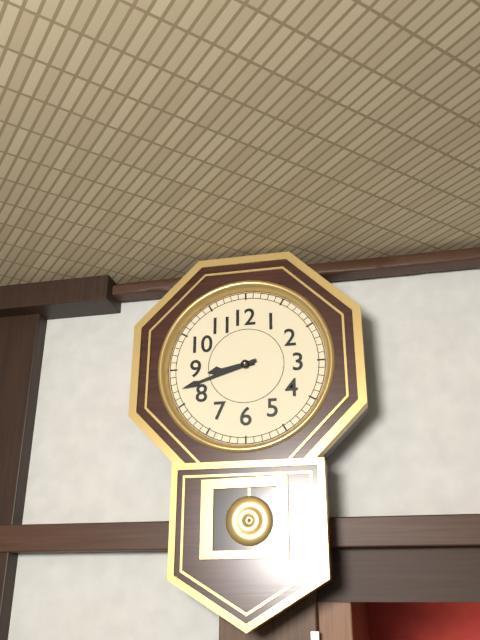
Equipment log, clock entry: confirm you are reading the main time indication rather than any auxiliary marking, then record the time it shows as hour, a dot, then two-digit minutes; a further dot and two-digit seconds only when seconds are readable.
8.42
